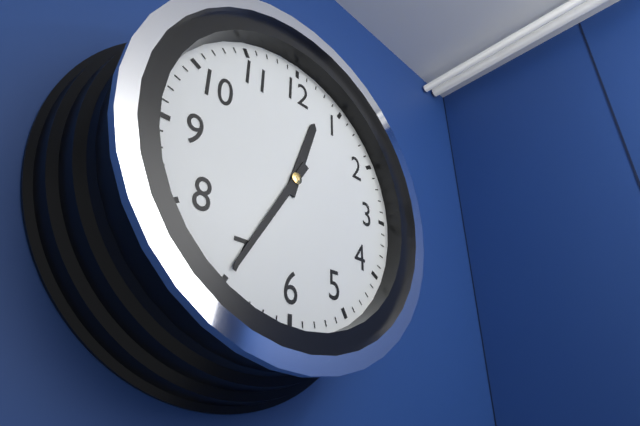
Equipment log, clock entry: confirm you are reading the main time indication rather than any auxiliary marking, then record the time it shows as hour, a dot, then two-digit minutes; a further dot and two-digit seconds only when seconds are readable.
12.35
